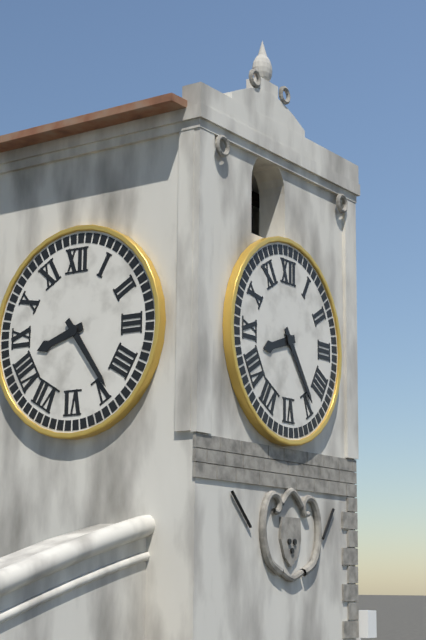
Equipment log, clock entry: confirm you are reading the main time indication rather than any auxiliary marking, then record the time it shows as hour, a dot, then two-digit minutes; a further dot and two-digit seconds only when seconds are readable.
8.24
